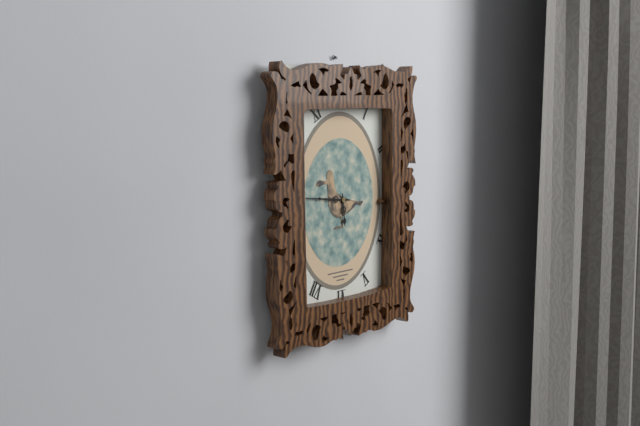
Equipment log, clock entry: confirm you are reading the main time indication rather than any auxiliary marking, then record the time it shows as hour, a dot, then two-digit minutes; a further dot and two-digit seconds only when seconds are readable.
5.46
